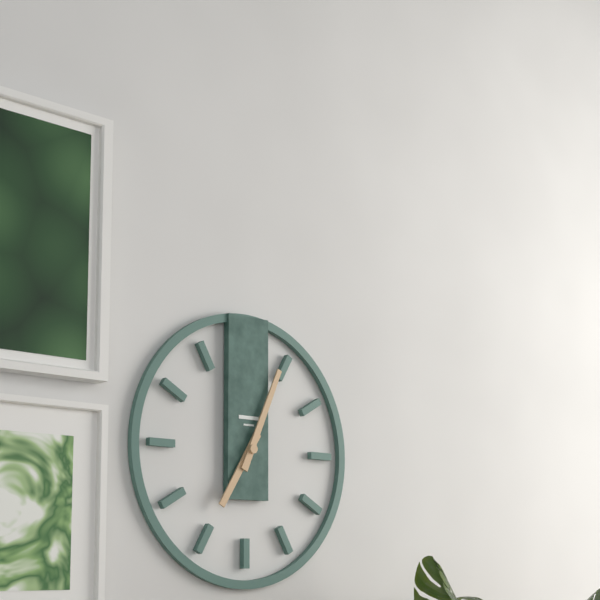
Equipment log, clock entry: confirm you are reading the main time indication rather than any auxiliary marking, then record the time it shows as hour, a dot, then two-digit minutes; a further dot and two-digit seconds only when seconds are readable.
7.04
